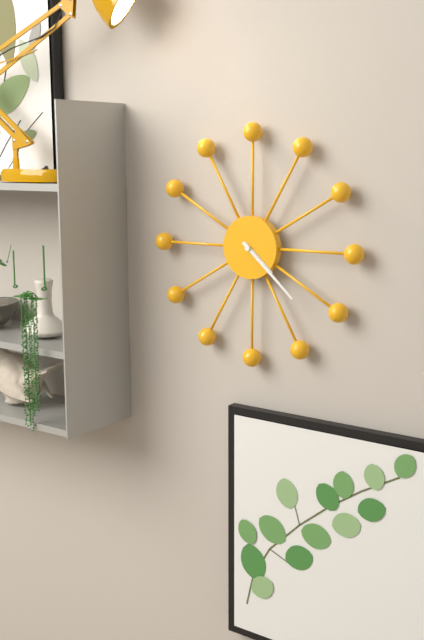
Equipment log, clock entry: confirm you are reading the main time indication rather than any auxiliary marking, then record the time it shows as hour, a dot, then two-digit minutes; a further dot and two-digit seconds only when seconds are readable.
4.22
